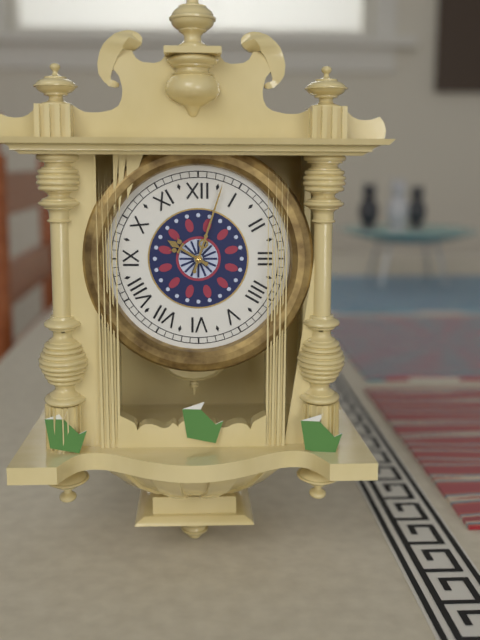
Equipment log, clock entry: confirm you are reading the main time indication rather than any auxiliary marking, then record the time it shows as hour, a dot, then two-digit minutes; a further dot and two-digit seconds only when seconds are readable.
10.03
